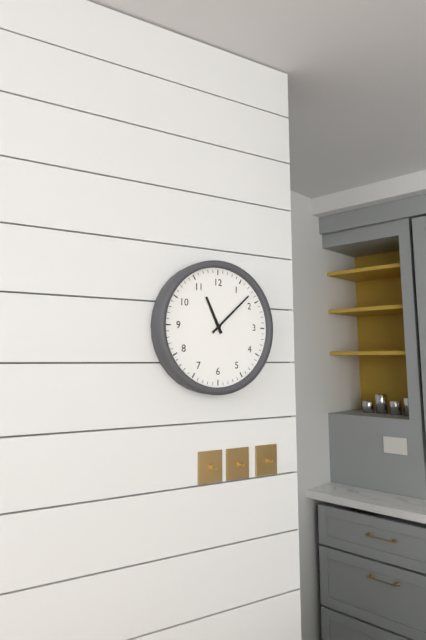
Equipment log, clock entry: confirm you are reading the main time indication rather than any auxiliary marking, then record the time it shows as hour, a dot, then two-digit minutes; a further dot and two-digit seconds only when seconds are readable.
11.08
